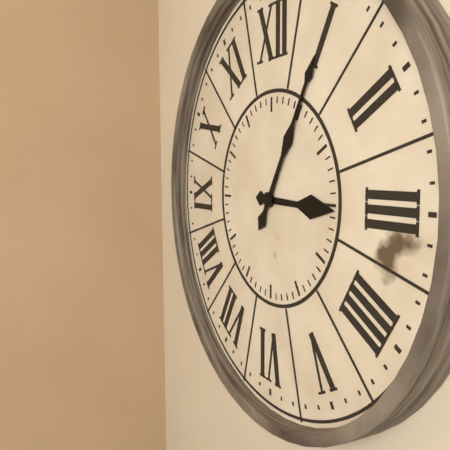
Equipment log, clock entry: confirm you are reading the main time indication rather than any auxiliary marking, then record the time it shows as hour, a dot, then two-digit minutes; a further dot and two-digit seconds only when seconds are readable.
3.05
